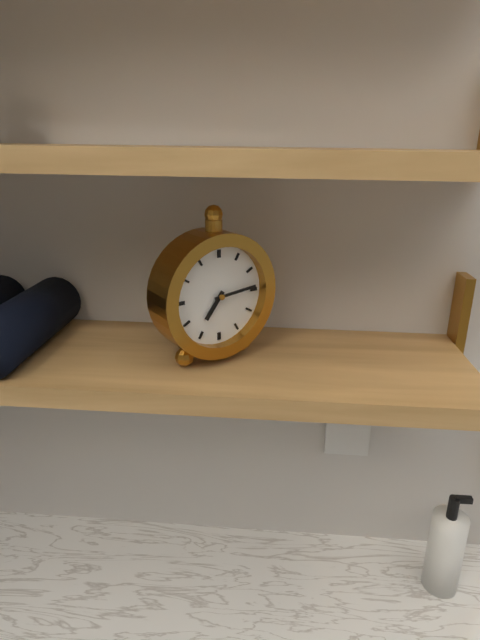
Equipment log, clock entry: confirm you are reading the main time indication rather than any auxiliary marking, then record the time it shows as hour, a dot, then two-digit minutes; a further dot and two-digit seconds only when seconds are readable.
7.14
